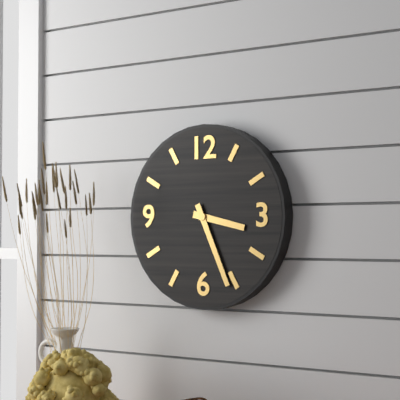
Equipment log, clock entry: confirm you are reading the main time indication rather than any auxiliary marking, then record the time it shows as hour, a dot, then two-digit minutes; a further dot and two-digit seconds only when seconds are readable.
3.26
